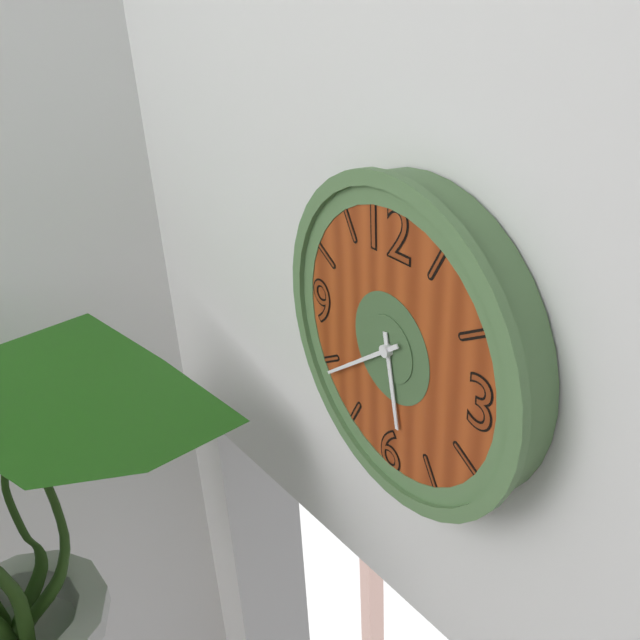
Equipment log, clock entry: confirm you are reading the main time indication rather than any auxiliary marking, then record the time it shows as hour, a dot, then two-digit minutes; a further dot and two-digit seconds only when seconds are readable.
5.39
